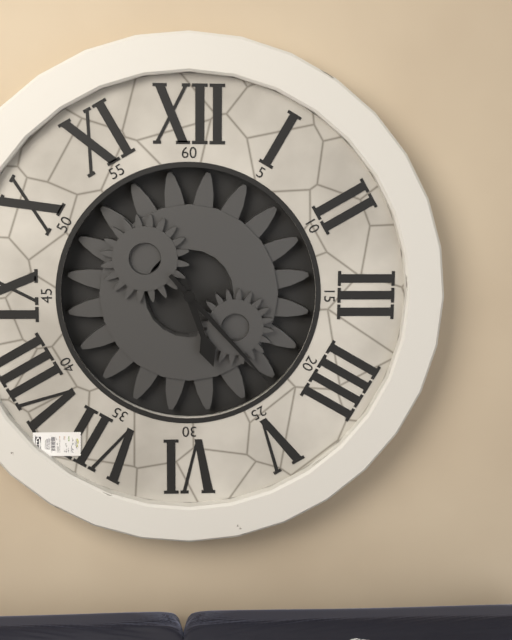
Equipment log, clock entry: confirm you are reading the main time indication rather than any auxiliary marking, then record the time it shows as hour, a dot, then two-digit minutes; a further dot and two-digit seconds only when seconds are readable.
5.23
